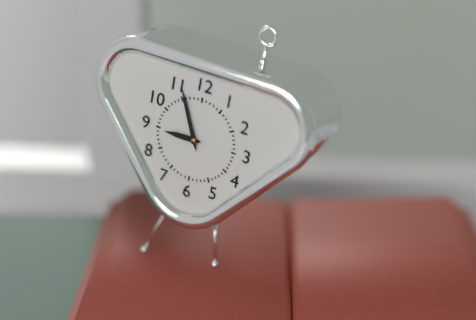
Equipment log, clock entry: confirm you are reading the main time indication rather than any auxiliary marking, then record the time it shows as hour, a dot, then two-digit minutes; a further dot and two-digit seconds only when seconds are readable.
8.56
